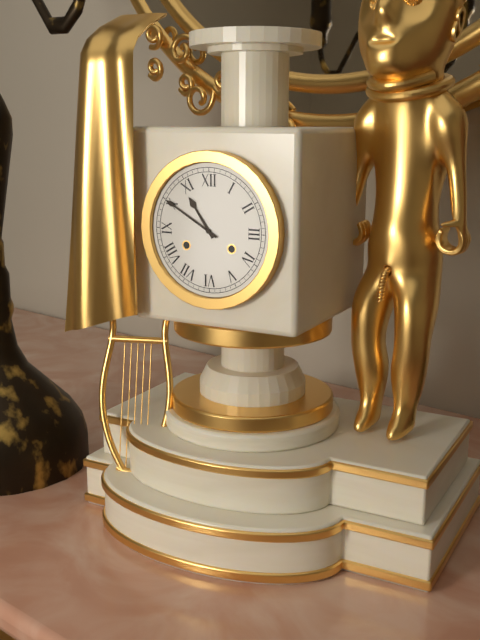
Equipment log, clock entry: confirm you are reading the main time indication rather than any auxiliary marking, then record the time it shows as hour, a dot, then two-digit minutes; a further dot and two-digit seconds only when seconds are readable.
10.50
